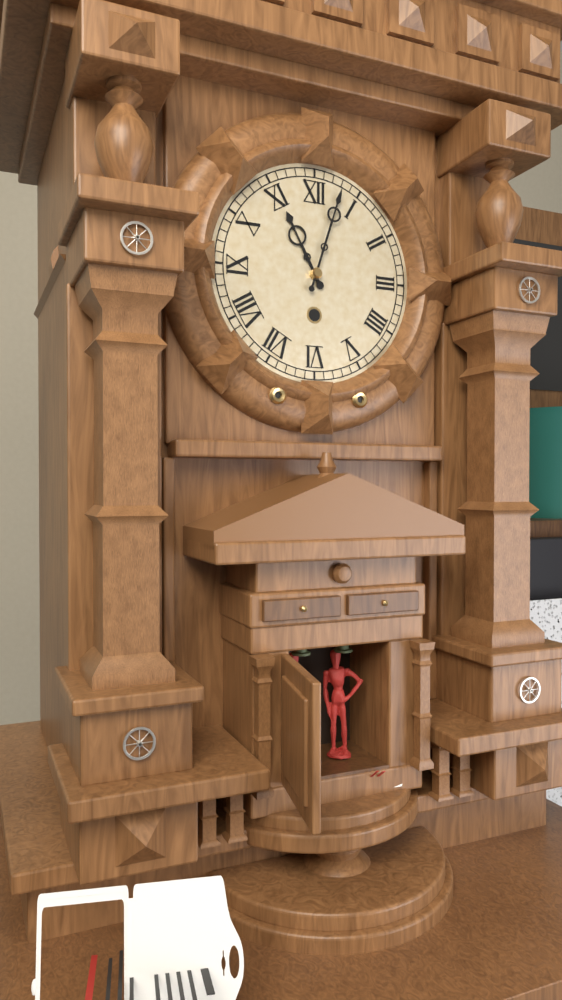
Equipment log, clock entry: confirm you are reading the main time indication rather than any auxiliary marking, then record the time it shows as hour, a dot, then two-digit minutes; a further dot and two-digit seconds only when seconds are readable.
11.03
